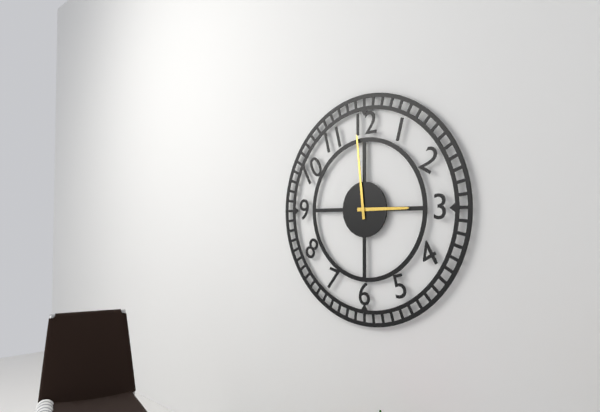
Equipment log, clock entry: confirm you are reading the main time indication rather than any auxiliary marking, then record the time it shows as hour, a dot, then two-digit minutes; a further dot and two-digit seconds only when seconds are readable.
2.59
